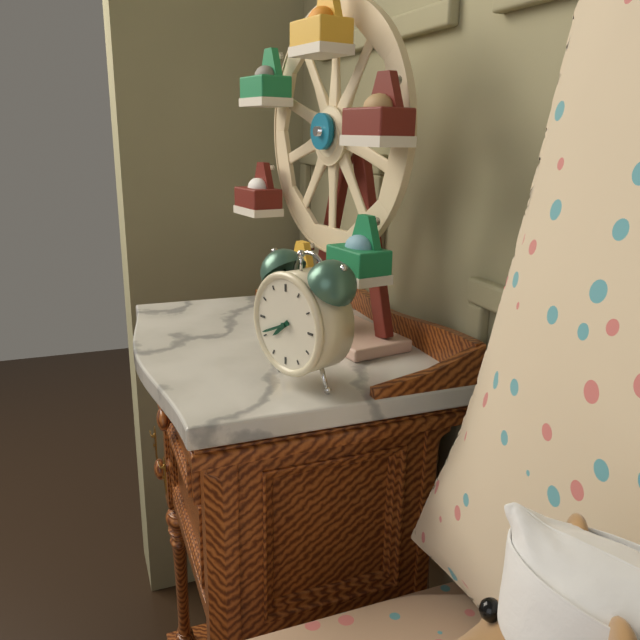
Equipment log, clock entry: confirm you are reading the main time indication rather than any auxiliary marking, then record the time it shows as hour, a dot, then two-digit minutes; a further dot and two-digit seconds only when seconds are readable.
7.41
